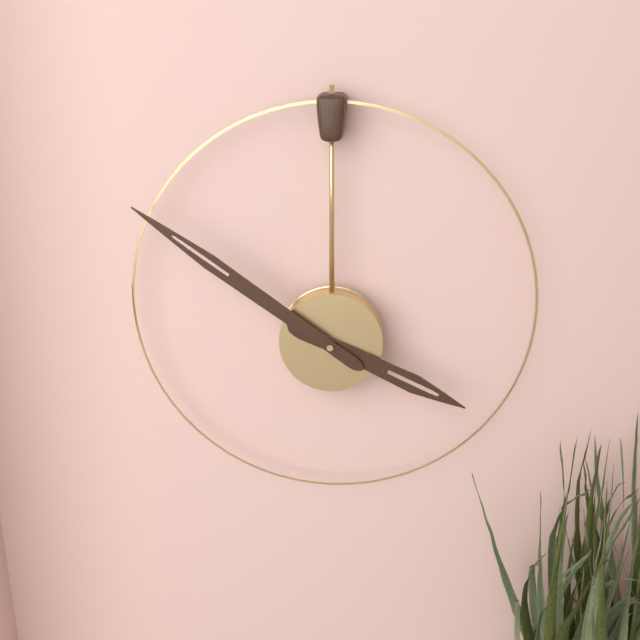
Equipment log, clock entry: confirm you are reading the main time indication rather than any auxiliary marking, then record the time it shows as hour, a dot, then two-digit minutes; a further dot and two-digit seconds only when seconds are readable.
3.51
